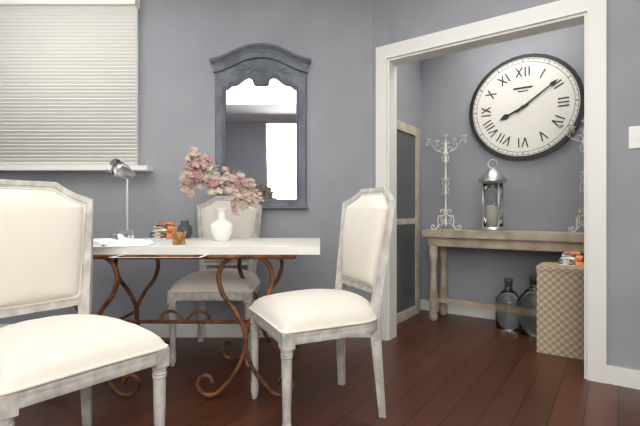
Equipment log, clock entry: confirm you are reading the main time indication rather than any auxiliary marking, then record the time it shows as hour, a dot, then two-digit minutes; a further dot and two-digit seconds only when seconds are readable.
8.09
